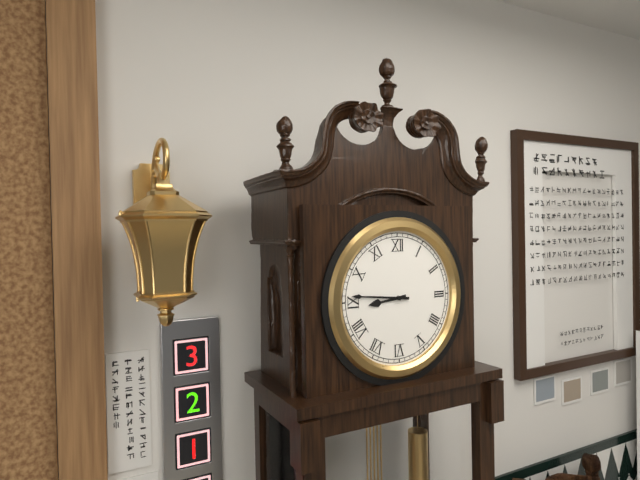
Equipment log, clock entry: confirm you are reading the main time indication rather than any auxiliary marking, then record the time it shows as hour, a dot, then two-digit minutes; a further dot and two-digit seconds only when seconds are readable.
8.46
